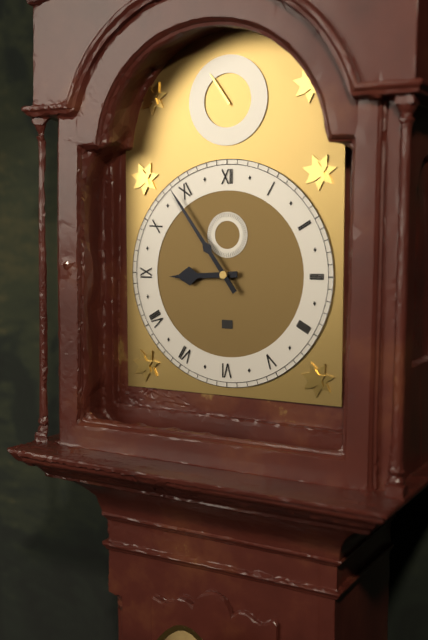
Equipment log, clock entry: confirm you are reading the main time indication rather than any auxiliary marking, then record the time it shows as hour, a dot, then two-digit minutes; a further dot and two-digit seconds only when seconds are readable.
8.54
